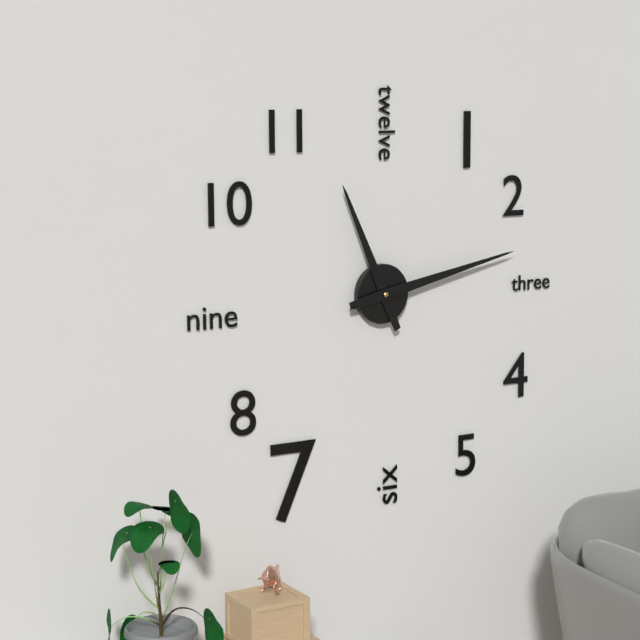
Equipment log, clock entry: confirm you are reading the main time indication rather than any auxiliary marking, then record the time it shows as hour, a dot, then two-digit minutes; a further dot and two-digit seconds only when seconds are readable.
11.13
